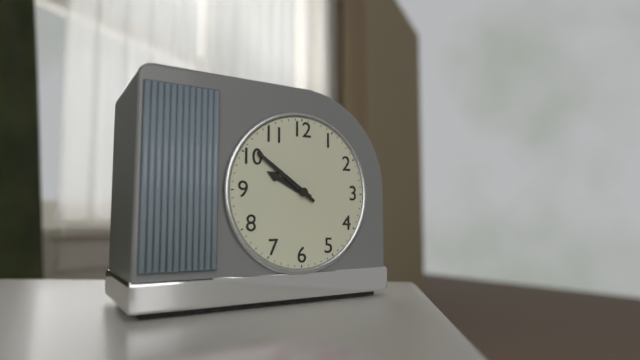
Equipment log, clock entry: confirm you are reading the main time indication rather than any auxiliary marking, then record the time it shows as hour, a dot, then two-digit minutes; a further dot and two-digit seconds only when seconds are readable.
9.51
